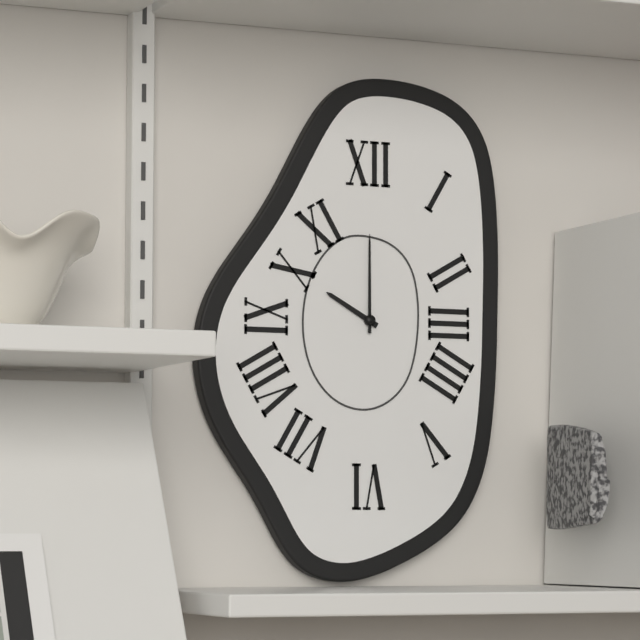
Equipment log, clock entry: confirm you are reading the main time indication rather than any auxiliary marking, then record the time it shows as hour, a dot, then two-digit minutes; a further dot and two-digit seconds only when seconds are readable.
10.00
